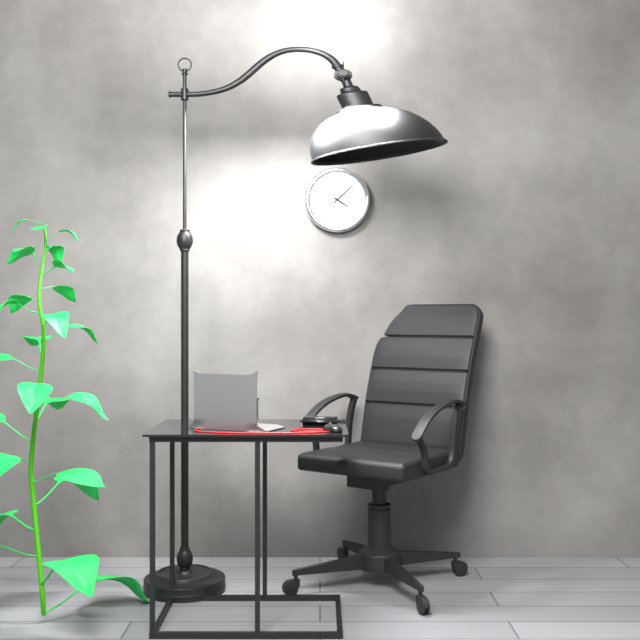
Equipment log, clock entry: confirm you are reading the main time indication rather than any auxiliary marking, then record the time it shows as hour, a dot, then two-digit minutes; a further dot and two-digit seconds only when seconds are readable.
4.08
